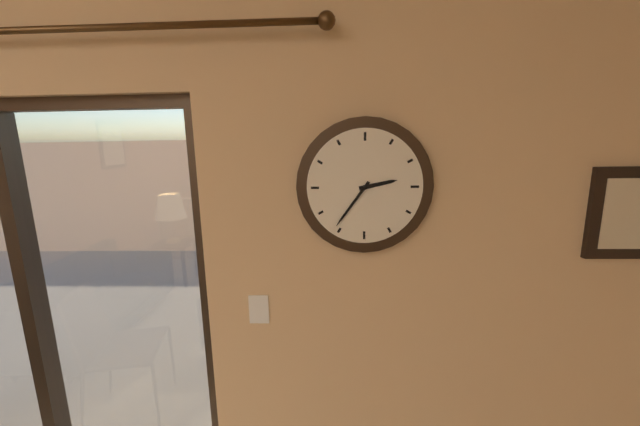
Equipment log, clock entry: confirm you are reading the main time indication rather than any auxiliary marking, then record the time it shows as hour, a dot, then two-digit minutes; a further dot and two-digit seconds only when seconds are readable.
2.36
